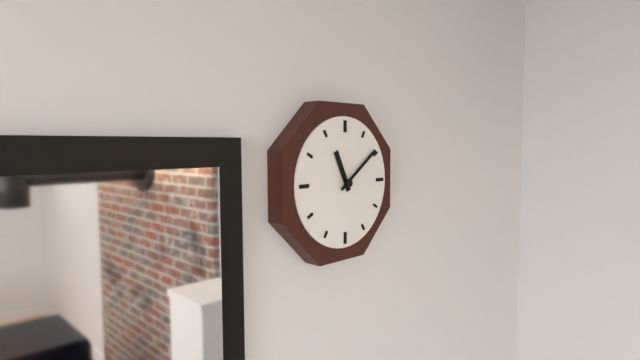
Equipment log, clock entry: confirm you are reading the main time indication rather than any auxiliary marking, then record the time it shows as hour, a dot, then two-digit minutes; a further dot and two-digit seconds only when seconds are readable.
11.09
